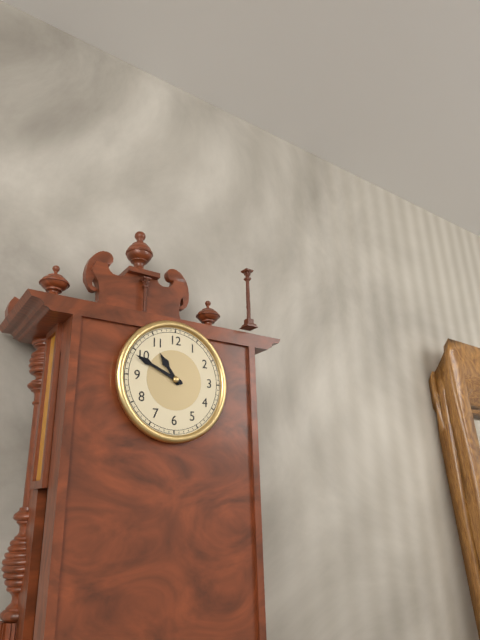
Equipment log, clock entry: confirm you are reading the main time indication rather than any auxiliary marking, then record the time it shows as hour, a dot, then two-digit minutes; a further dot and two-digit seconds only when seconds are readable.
10.49
